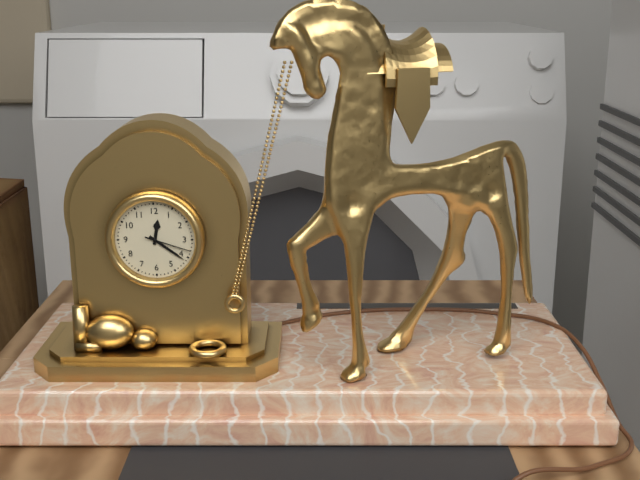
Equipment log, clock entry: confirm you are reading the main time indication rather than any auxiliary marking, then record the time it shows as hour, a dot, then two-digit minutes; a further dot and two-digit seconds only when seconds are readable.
12.21
